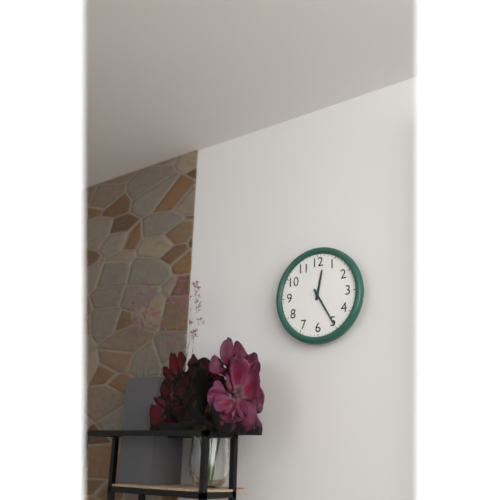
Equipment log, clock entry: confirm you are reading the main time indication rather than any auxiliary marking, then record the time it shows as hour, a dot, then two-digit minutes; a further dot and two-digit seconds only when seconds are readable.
12.25
